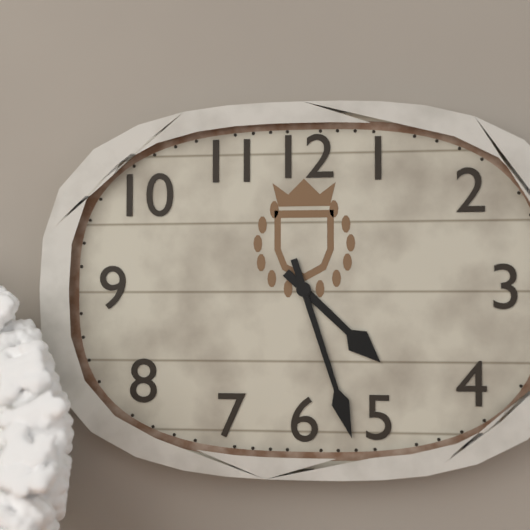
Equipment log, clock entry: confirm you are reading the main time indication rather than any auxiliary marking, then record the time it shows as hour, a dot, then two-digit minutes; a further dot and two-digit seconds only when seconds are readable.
4.27
